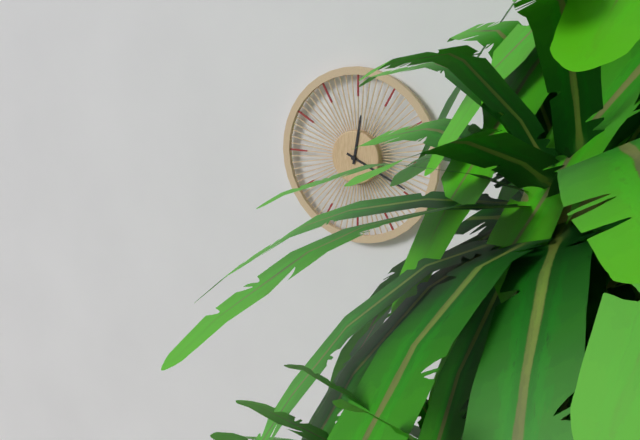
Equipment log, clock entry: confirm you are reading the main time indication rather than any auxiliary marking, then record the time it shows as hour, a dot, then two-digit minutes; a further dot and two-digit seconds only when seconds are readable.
12.19
